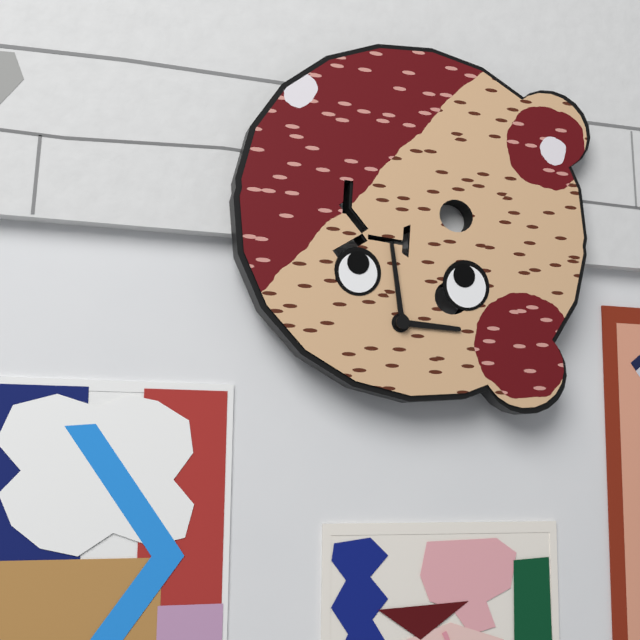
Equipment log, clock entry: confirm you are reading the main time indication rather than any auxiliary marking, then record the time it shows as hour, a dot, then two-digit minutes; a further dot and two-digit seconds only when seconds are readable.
2.58
